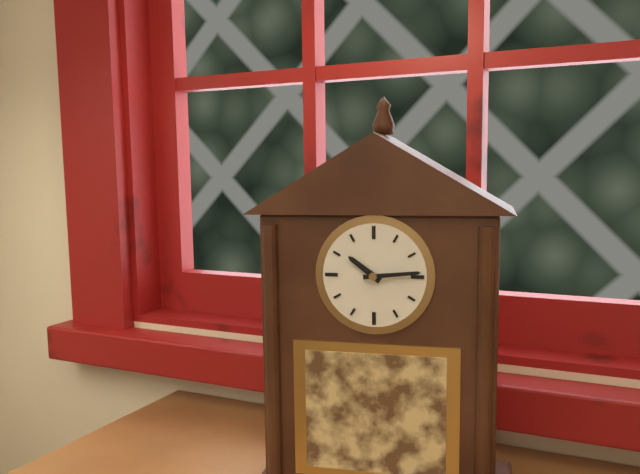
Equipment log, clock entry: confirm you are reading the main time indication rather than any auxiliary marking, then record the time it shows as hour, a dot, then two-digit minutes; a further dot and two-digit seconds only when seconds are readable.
10.14
